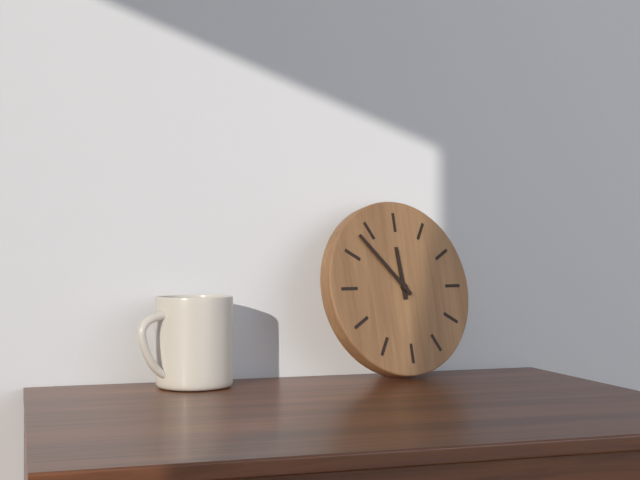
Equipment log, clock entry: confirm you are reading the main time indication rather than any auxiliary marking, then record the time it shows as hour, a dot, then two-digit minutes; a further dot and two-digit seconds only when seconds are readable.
11.53
